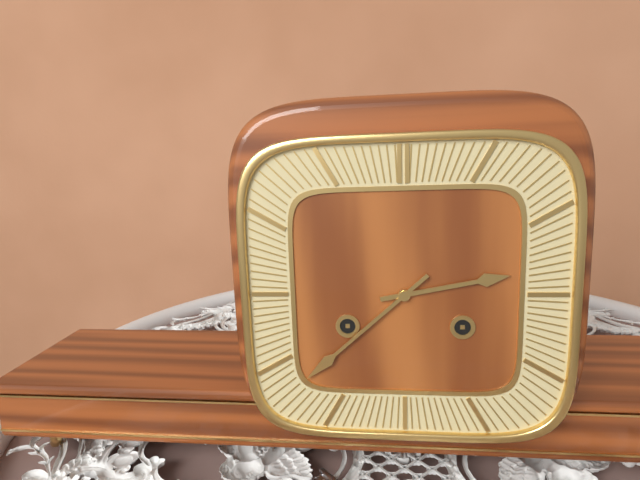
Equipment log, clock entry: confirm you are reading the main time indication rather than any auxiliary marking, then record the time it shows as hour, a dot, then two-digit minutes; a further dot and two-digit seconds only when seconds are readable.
2.38
